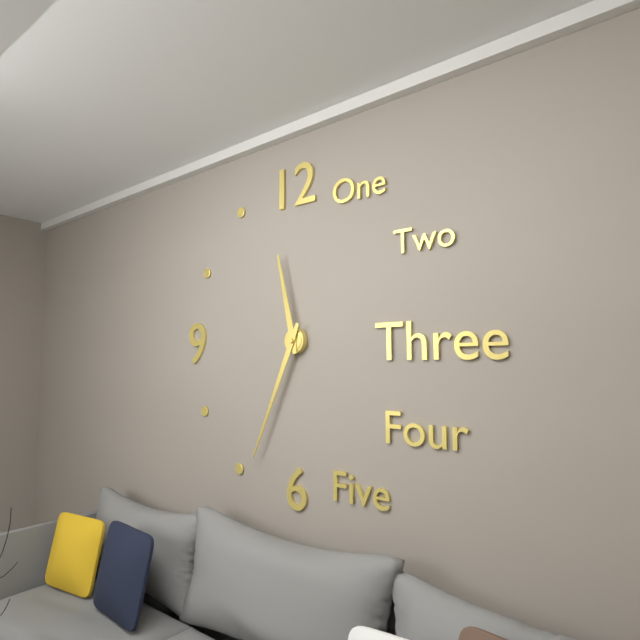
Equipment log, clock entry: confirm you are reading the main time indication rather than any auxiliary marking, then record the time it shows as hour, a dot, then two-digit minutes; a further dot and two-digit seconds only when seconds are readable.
11.34
